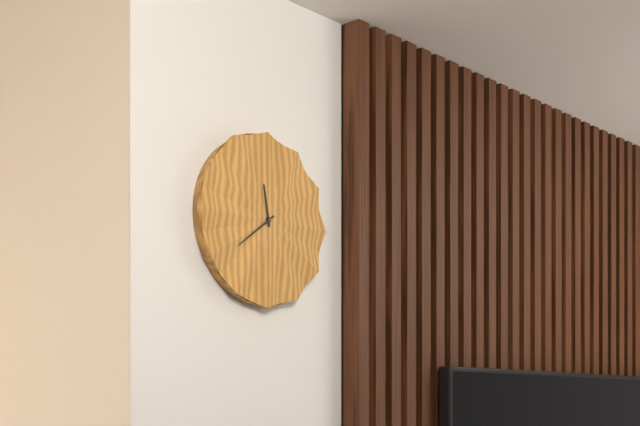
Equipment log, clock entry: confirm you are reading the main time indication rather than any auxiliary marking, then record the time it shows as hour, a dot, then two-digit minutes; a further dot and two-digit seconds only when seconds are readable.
11.39
